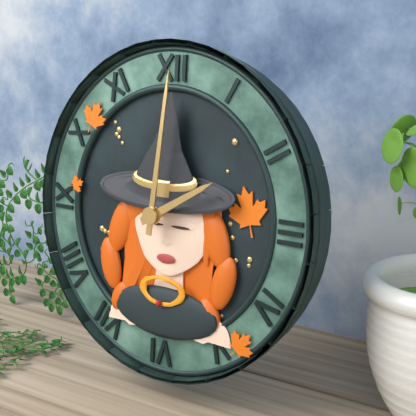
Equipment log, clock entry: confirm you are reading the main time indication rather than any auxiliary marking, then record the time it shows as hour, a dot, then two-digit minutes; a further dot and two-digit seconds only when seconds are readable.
2.01
